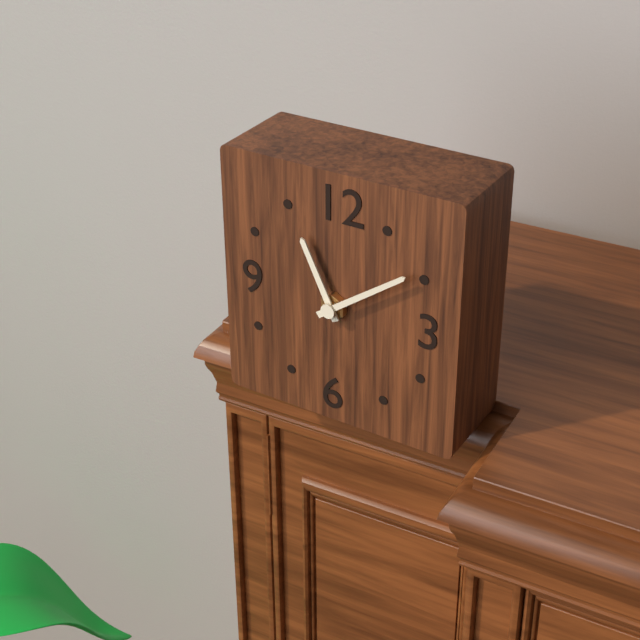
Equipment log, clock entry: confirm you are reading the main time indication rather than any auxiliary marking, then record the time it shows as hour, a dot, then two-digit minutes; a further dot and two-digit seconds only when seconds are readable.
11.09
